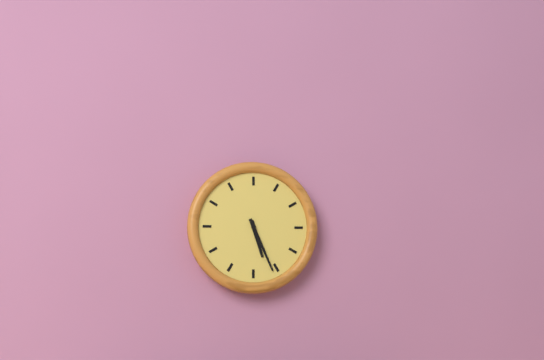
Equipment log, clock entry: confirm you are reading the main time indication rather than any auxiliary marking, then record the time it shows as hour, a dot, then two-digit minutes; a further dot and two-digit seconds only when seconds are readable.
5.26
